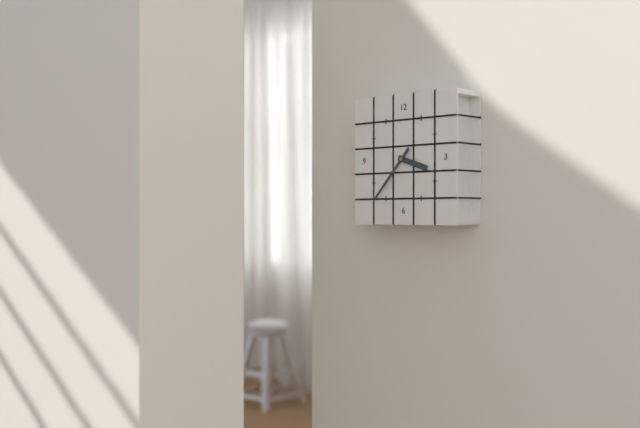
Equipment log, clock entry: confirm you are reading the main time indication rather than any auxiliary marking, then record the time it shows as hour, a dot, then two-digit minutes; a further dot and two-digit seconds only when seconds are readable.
3.37
